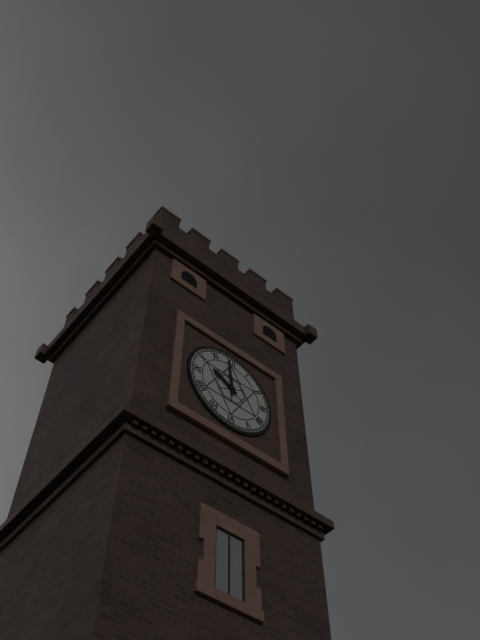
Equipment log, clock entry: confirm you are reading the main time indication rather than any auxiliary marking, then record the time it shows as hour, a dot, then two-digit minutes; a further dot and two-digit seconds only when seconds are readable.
9.59
